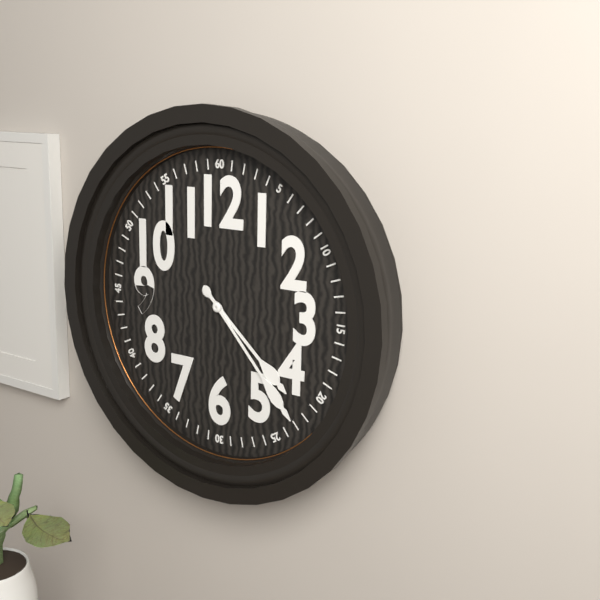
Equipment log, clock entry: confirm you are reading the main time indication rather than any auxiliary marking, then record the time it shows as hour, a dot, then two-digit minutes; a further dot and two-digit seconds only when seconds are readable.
4.23
